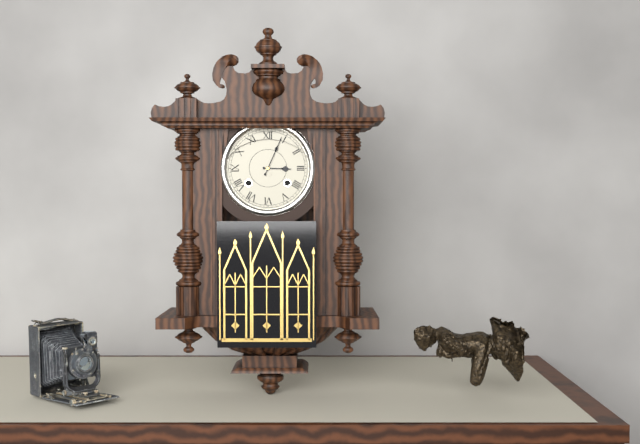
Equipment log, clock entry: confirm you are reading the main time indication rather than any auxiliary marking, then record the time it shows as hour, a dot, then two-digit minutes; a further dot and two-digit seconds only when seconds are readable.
3.04
